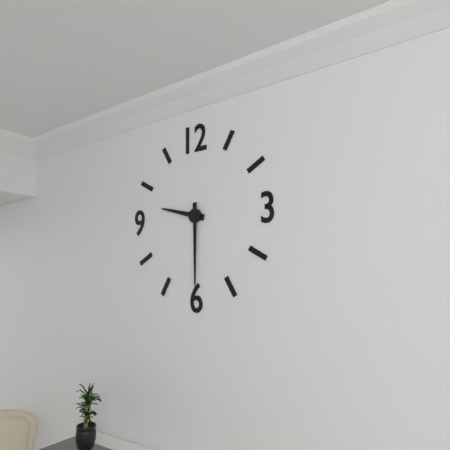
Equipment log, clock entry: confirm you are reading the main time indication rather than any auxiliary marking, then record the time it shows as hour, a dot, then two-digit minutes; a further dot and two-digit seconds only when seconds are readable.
9.30
